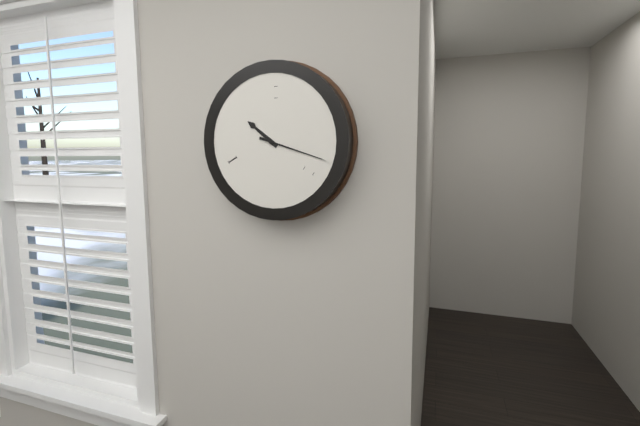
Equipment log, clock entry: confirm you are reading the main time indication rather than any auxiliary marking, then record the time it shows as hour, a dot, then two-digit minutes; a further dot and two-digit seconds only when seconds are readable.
10.18
